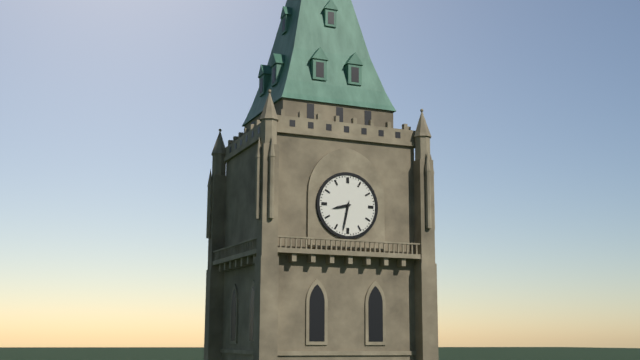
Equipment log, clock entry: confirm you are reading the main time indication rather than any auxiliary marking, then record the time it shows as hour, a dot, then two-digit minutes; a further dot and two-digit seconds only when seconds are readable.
8.32
